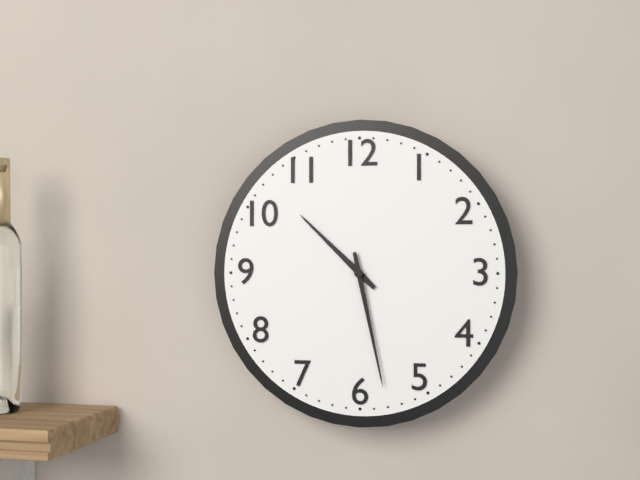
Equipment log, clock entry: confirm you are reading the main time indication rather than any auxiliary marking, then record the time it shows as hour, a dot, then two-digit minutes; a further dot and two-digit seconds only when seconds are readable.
10.28
